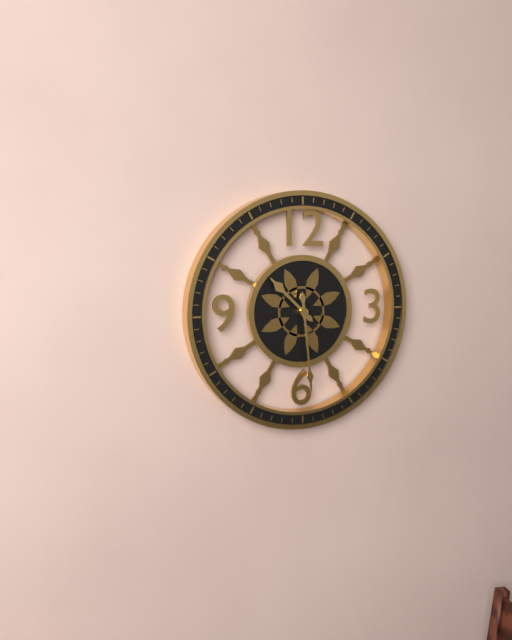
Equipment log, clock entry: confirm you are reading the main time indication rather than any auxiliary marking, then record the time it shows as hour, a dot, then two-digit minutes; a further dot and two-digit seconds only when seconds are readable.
10.29
